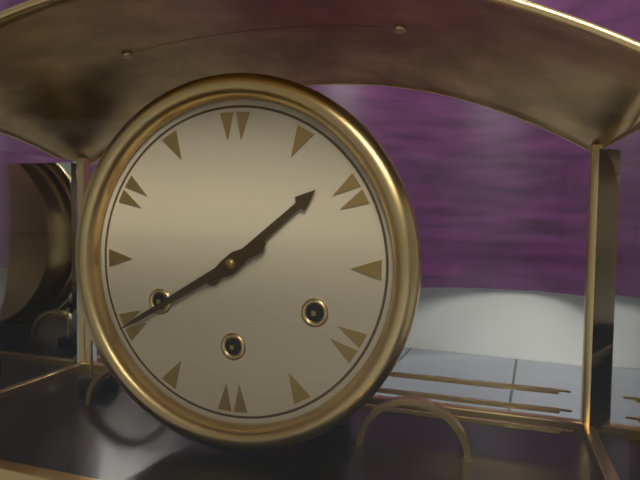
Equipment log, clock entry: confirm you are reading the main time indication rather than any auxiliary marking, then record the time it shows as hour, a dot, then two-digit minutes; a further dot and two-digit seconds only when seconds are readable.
1.40
